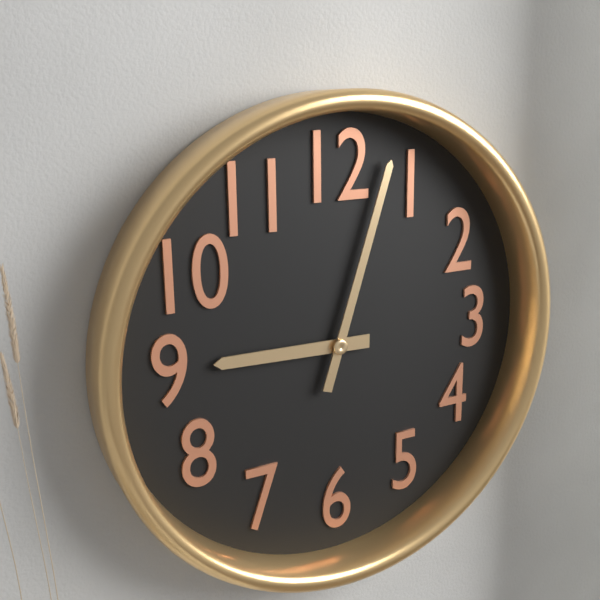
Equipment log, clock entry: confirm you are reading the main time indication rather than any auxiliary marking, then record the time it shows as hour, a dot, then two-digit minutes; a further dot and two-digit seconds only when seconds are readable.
9.03
